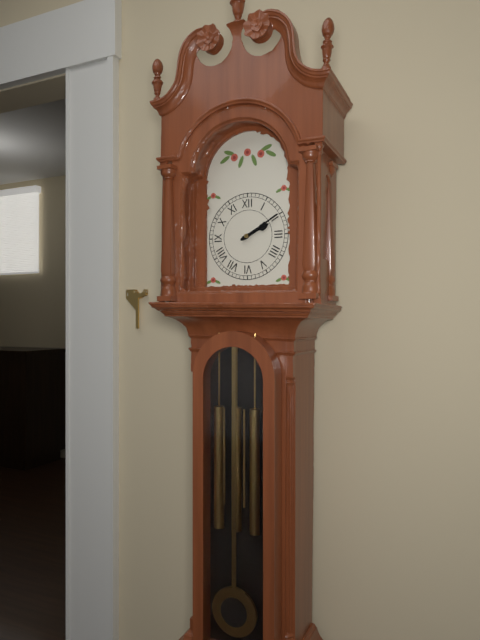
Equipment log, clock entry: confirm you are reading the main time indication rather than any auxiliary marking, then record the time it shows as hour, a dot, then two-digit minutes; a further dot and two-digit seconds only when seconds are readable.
2.10
